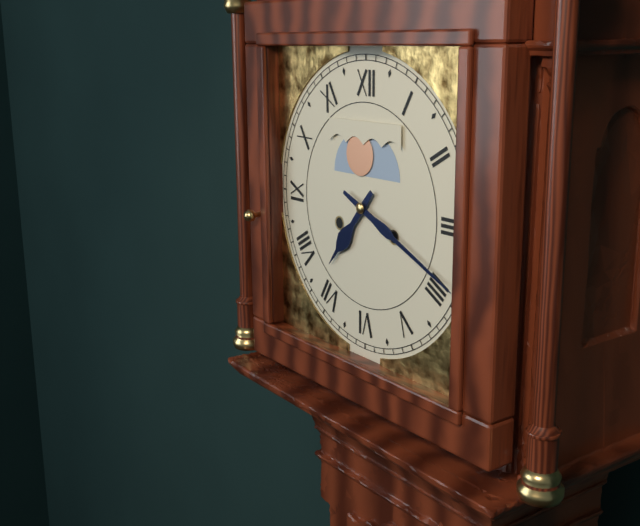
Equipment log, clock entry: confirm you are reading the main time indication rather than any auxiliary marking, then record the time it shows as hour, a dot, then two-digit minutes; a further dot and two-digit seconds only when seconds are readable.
7.19
